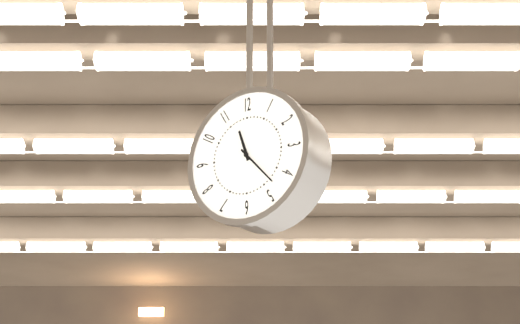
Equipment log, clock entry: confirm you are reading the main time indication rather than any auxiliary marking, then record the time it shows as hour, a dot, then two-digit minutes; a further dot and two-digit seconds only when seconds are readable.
11.23
